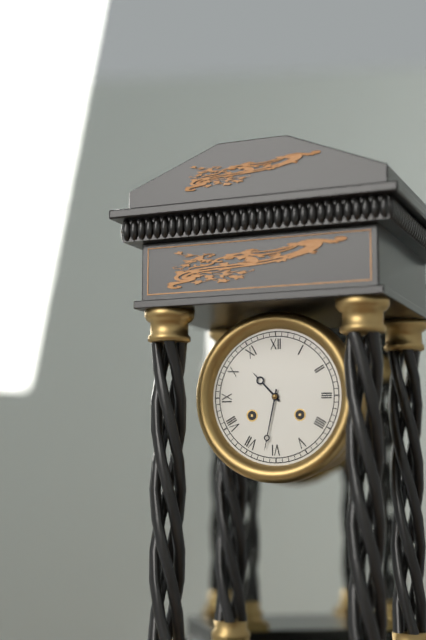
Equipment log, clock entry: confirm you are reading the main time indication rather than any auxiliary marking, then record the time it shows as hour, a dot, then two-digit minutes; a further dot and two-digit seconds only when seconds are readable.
10.32
